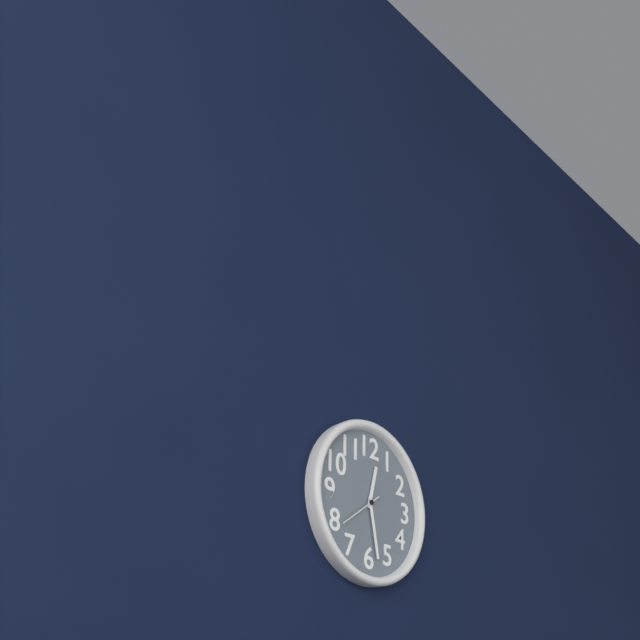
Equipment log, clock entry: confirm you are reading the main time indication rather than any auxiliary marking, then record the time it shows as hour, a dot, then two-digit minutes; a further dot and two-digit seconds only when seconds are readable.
12.28
